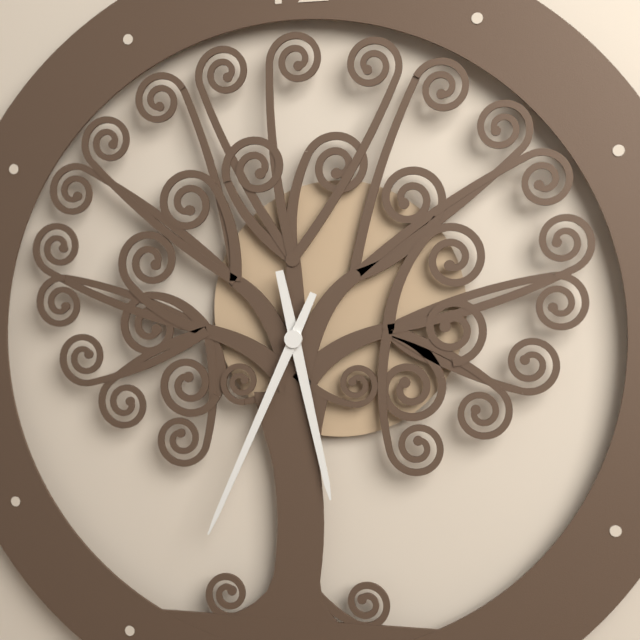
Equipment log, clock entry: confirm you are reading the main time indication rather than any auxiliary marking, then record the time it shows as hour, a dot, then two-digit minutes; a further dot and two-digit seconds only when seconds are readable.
5.34
